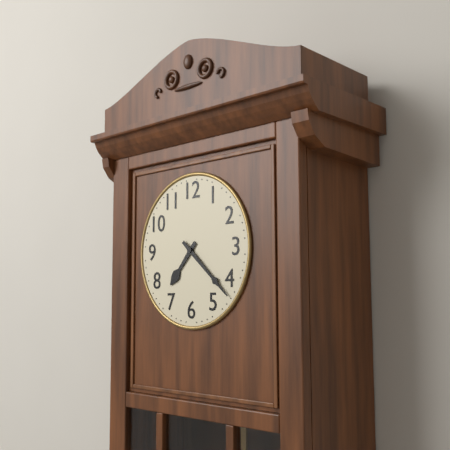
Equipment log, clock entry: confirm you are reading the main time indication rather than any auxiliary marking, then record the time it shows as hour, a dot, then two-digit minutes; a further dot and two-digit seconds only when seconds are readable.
7.22
